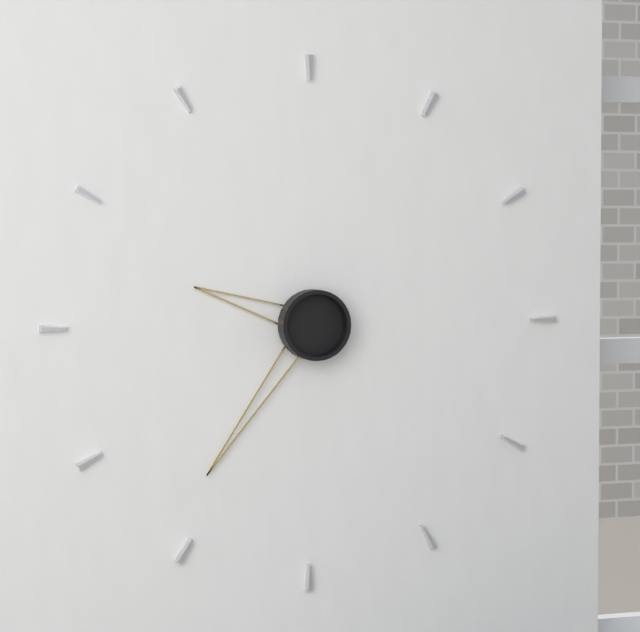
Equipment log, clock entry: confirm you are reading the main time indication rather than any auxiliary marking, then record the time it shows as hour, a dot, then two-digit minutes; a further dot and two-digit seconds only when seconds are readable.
9.36
